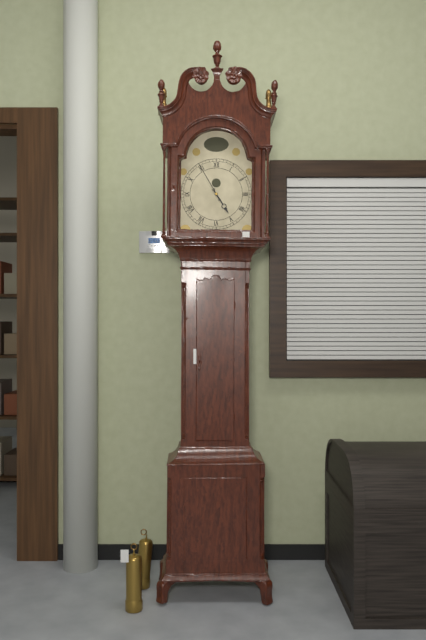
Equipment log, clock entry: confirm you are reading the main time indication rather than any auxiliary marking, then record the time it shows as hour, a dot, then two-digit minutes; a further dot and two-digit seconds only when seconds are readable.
4.55
